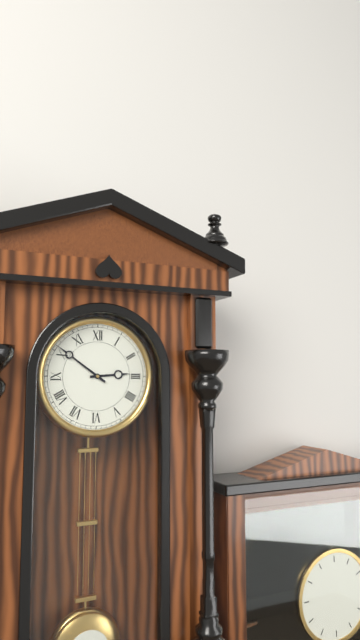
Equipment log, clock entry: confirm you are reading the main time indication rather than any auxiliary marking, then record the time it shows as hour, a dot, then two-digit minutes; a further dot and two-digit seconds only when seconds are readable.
2.51
